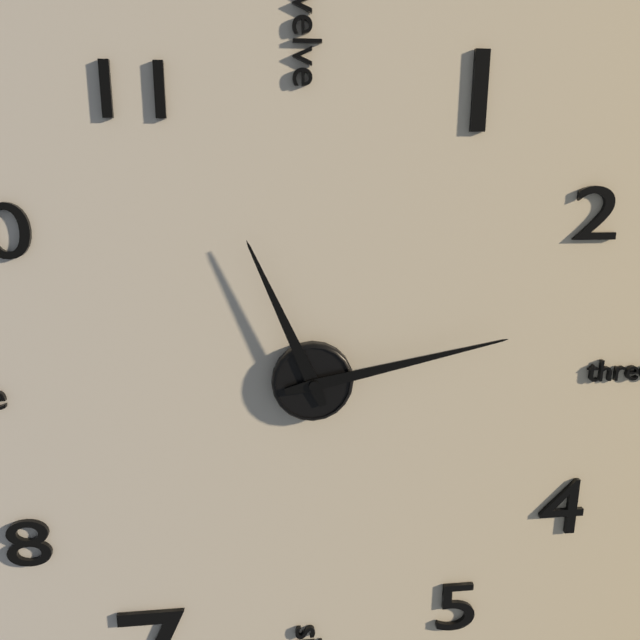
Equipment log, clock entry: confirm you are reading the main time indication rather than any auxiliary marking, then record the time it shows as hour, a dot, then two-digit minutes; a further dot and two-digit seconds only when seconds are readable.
11.13
